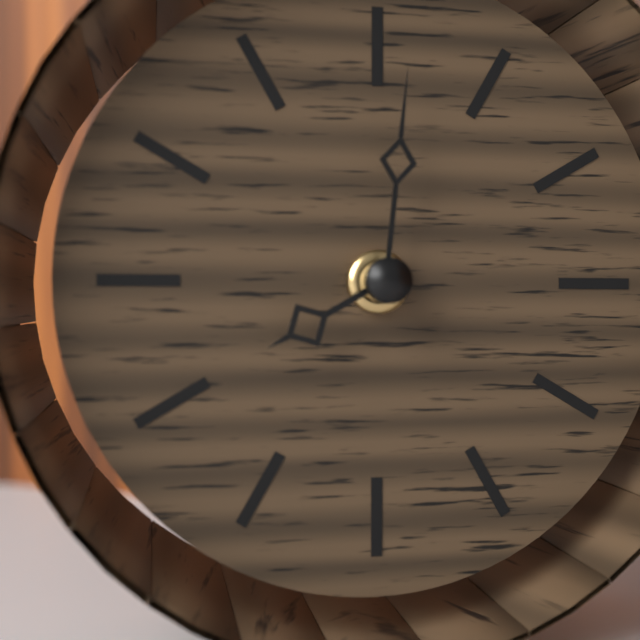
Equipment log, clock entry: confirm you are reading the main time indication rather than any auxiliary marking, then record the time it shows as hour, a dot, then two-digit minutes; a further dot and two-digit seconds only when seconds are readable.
8.01
